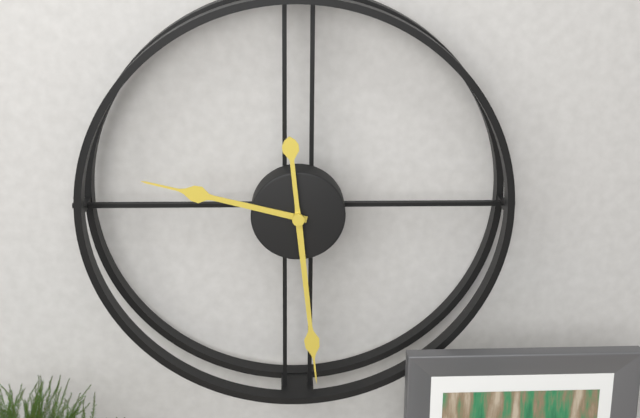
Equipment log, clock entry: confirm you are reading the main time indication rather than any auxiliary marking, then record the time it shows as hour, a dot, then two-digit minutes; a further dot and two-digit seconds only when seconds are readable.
9.29
